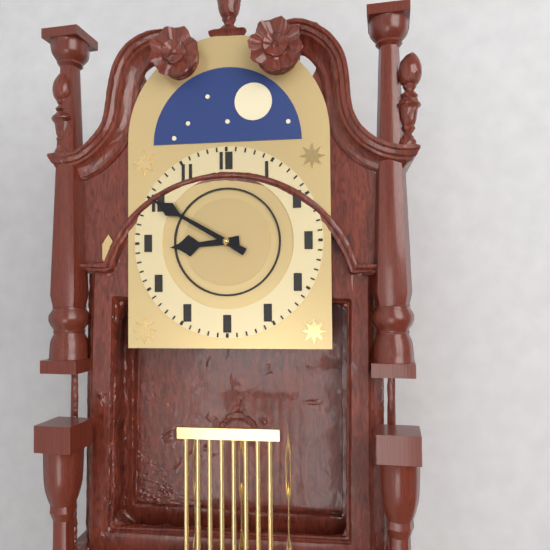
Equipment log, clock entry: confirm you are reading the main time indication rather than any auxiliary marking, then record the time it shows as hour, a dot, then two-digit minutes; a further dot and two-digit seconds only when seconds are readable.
8.50
